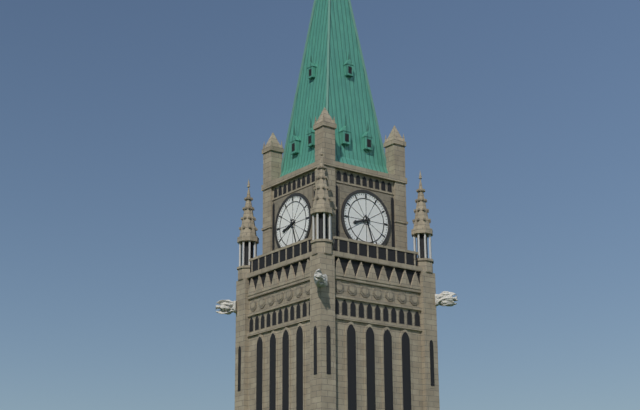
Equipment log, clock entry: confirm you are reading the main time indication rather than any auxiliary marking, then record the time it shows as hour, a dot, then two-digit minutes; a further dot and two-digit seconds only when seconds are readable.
8.27
